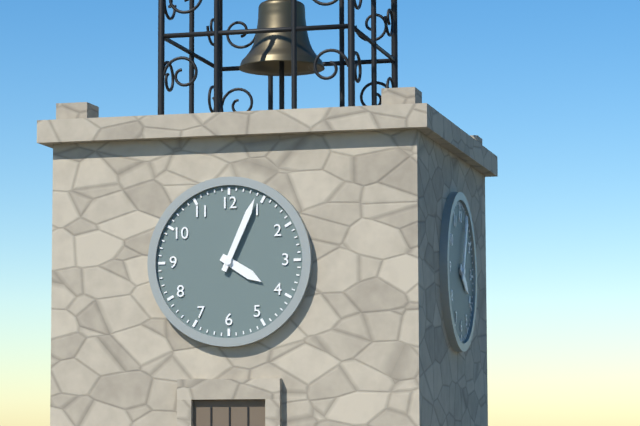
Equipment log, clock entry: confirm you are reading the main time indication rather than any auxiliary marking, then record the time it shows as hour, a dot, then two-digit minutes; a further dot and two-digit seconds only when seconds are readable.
4.04
